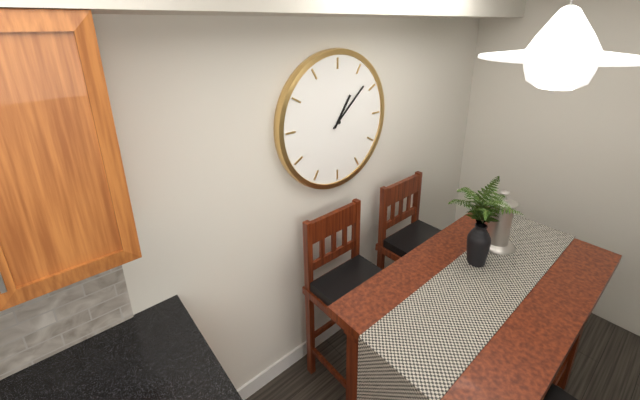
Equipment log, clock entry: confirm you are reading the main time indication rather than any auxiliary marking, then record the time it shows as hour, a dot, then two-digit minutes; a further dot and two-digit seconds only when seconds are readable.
1.08
